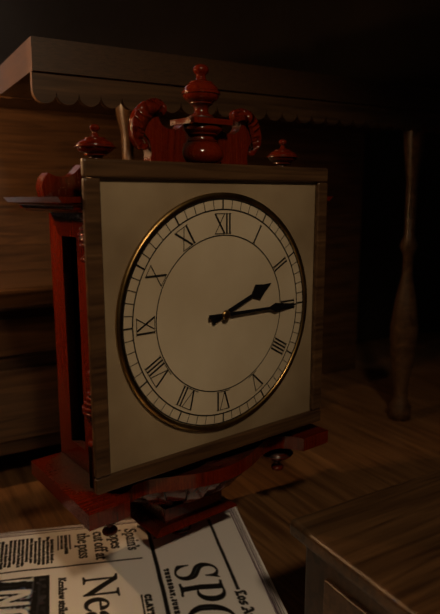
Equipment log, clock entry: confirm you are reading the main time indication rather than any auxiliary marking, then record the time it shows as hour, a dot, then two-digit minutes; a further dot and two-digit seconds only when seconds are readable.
2.15
